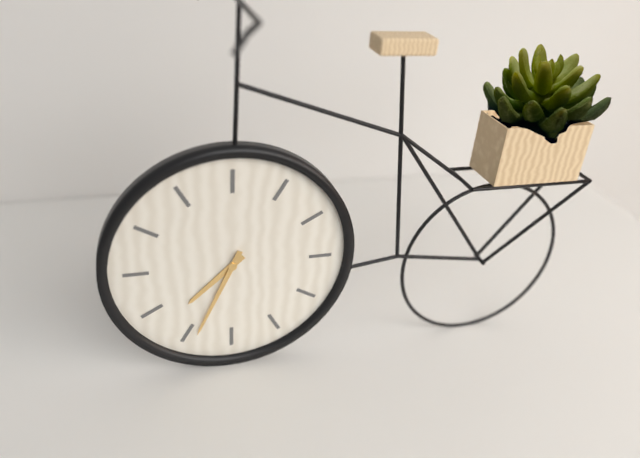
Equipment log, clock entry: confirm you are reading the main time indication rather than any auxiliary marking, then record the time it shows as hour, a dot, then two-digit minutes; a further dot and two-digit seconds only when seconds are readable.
7.34
